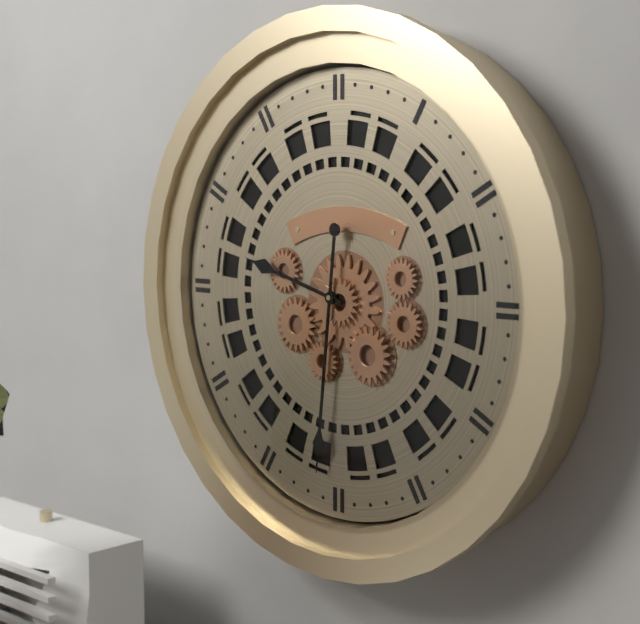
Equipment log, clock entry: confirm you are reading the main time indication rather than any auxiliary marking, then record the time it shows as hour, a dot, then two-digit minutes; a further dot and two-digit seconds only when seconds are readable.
9.31
